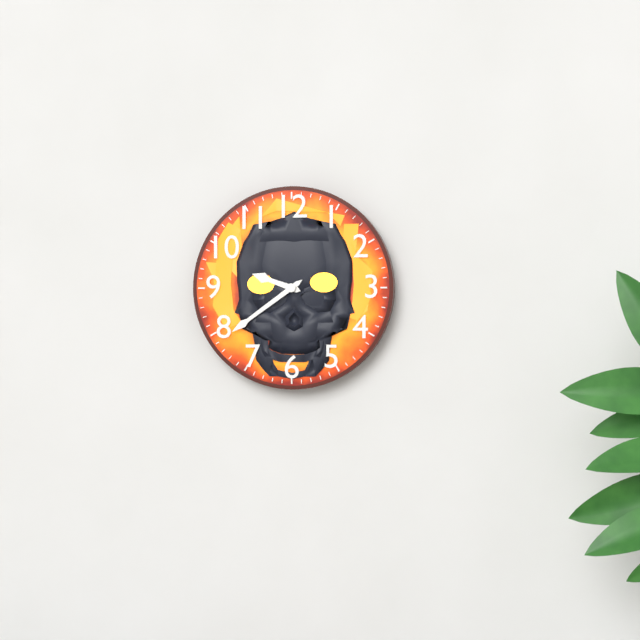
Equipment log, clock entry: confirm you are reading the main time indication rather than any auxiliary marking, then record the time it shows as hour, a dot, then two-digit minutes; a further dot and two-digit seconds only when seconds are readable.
9.39
